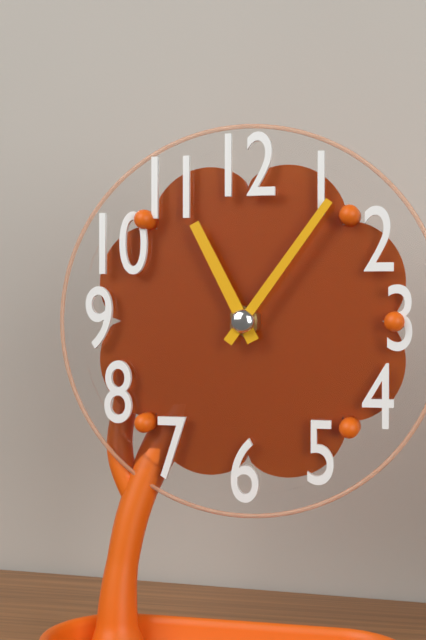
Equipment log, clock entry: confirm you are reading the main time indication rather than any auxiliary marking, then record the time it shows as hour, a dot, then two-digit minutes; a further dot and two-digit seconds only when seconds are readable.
11.06
